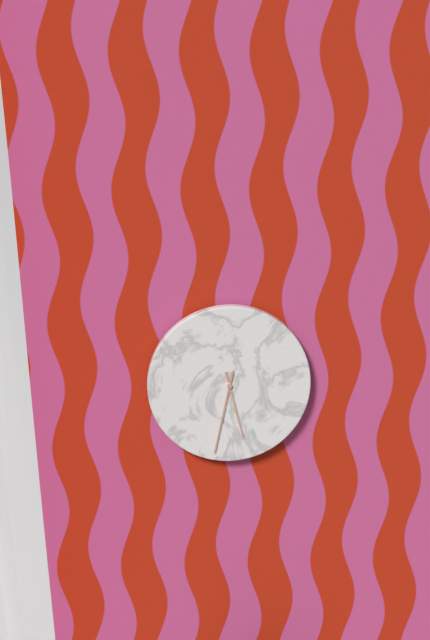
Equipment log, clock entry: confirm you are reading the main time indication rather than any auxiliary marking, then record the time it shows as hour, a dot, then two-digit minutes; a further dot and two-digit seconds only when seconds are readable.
5.32
